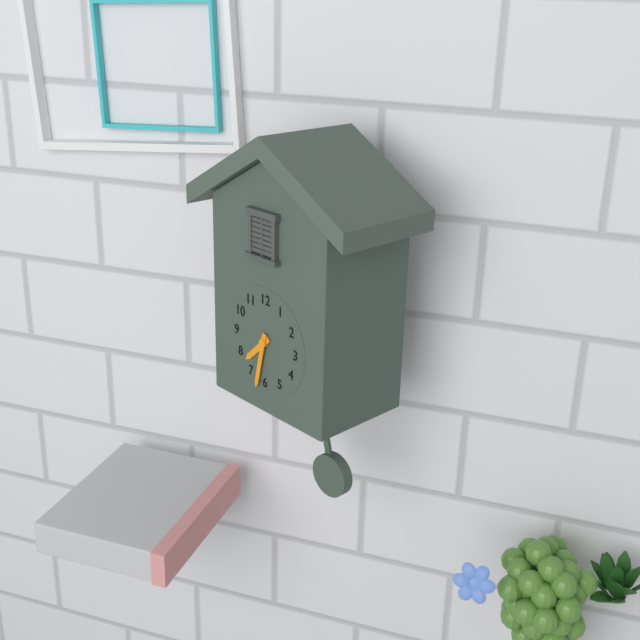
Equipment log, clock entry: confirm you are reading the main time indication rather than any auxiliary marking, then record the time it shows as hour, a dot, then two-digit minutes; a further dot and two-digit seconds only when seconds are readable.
7.32
